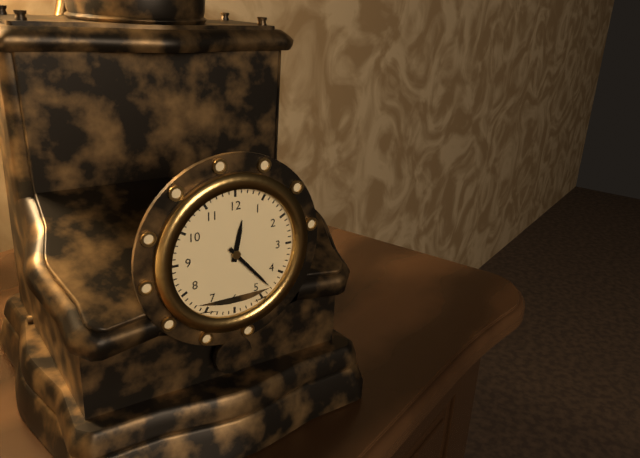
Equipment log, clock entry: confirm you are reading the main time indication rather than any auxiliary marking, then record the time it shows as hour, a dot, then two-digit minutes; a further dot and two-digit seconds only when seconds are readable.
12.23
